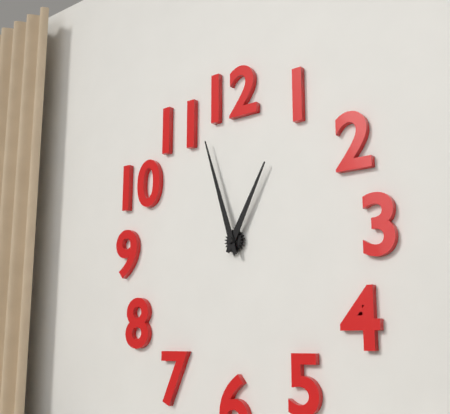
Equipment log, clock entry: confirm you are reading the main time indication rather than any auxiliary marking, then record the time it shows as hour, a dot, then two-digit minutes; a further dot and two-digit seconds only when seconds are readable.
12.57
